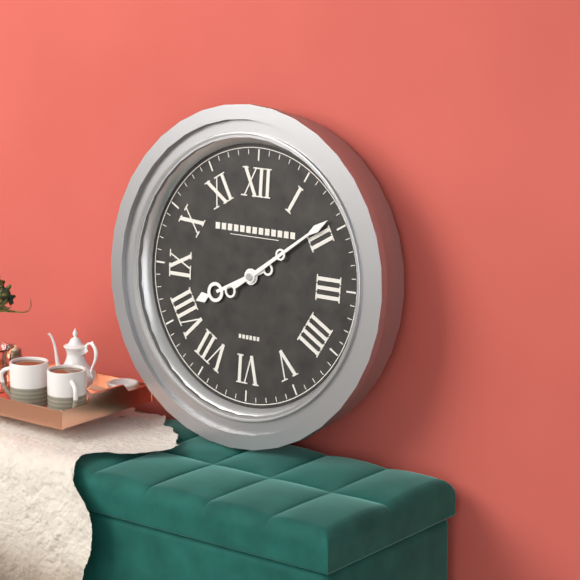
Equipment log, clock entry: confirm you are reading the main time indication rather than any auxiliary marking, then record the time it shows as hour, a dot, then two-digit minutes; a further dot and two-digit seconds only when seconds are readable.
8.09
